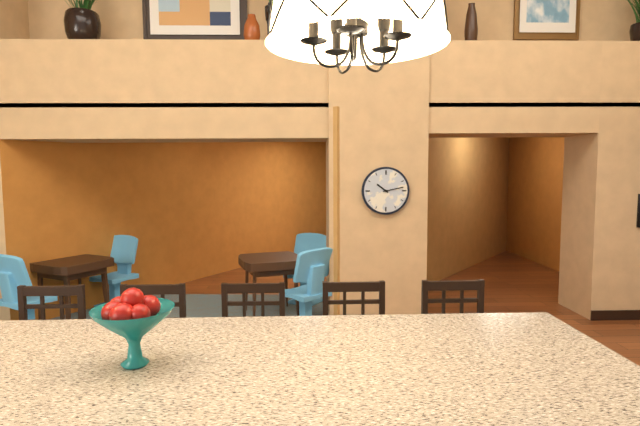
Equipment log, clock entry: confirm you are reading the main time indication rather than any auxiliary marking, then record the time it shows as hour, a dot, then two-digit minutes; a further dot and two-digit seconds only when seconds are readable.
10.13
